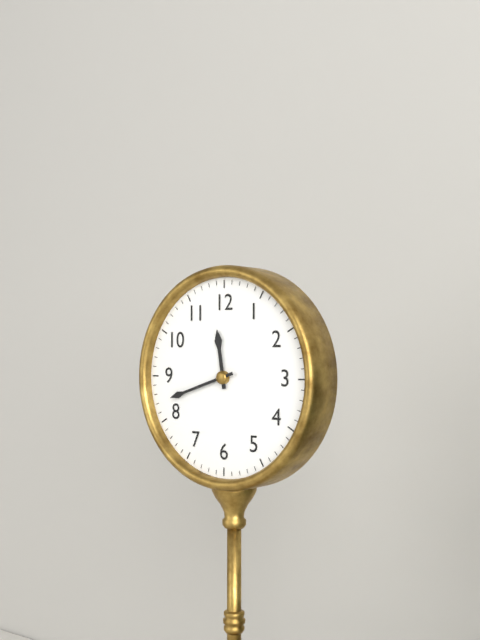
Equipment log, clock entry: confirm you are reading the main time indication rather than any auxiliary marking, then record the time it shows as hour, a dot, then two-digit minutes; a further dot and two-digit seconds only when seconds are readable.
11.42
